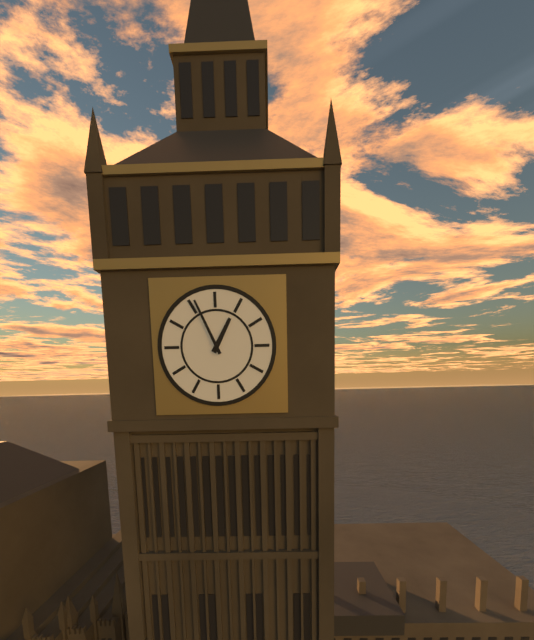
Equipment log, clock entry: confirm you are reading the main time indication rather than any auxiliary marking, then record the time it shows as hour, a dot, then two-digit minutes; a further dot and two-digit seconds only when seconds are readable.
12.56
